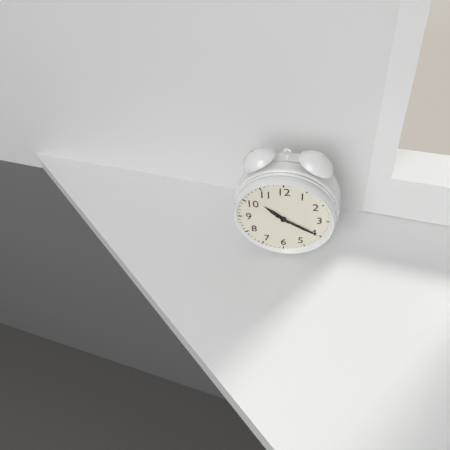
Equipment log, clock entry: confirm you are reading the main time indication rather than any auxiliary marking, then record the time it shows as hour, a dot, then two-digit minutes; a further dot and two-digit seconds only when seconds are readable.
10.20
